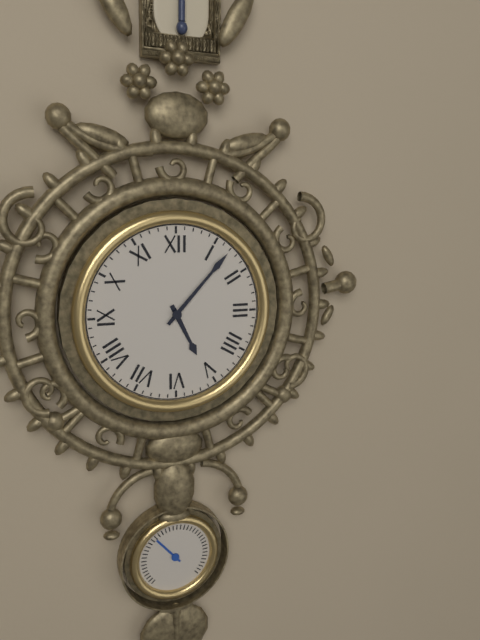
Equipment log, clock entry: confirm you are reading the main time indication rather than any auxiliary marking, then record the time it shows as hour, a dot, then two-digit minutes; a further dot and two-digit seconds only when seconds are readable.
5.07
